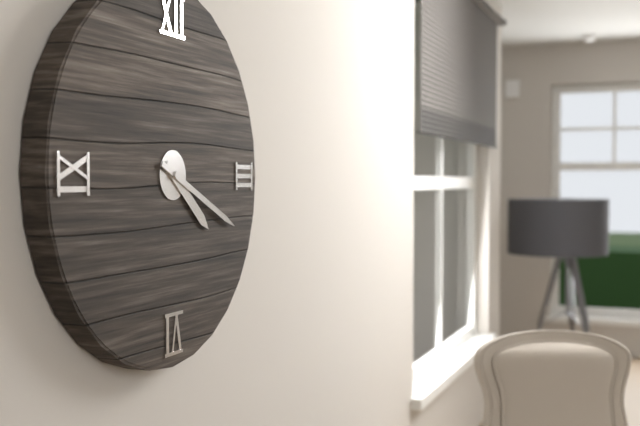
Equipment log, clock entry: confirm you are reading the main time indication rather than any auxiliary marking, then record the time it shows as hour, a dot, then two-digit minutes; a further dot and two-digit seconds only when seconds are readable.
4.19
